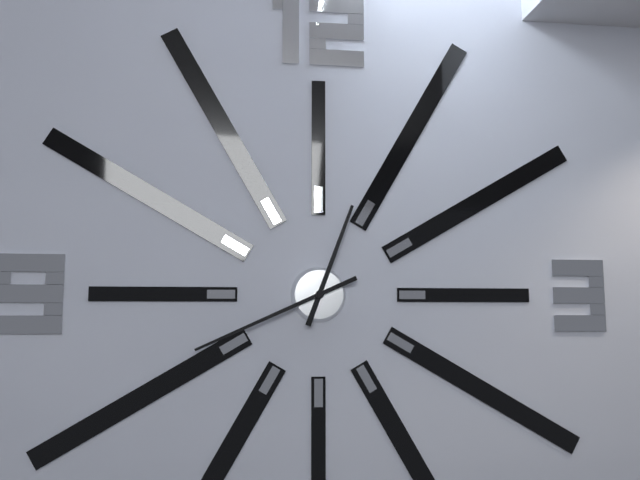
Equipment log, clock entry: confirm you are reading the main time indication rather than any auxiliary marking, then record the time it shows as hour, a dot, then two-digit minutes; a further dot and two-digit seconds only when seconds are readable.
12.41
